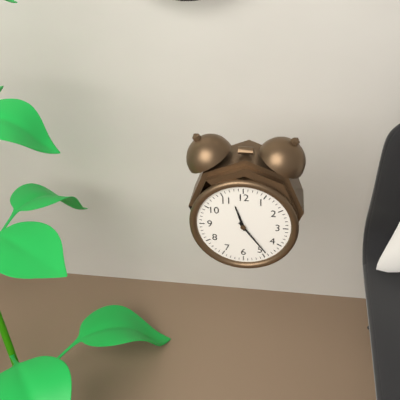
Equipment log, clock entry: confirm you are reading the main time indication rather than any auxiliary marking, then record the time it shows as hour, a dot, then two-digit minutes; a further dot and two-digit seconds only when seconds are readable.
11.24
